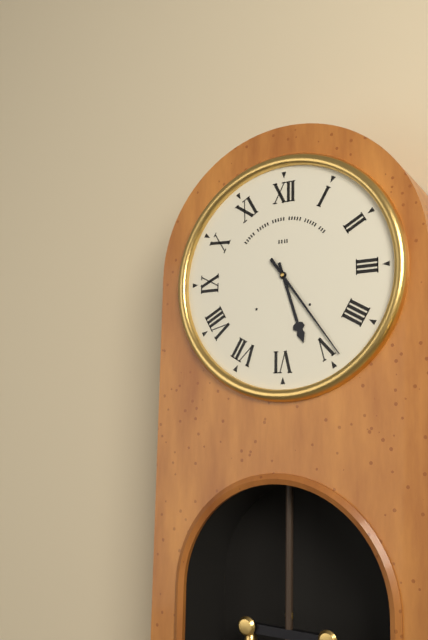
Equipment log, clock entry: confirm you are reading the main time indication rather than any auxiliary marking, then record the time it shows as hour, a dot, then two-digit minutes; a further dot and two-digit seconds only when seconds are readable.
5.24
